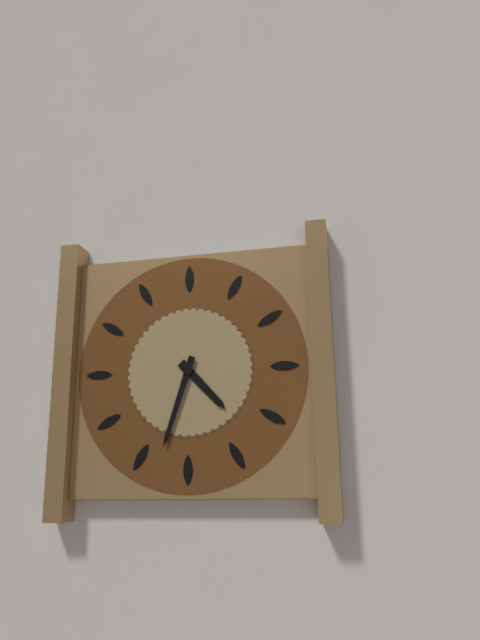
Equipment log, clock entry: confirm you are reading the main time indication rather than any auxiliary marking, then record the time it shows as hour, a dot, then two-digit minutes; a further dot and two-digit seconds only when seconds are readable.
4.33
